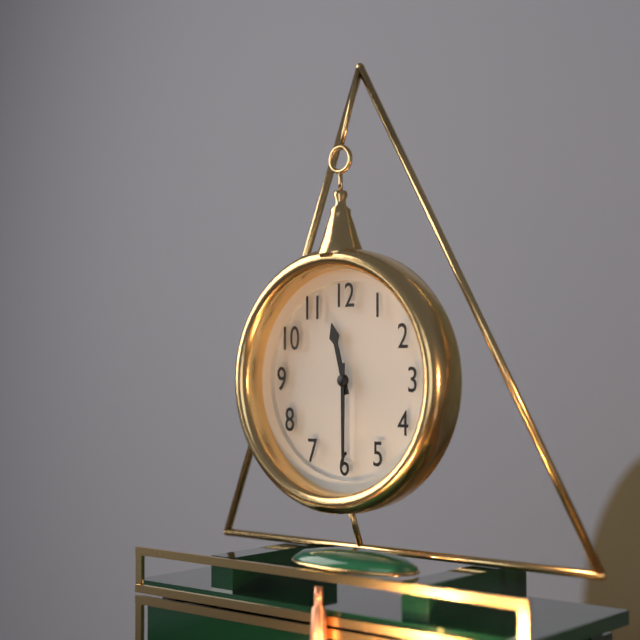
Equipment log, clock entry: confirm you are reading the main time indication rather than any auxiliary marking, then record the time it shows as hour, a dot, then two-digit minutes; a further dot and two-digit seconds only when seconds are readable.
11.30
